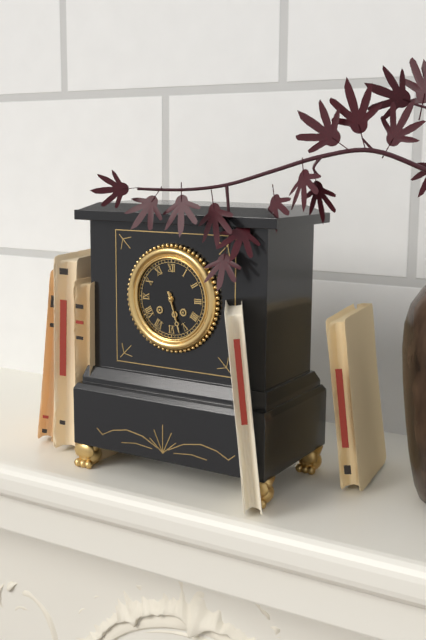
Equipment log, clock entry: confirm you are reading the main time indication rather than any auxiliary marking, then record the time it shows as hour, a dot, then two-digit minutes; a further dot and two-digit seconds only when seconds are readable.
5.27
